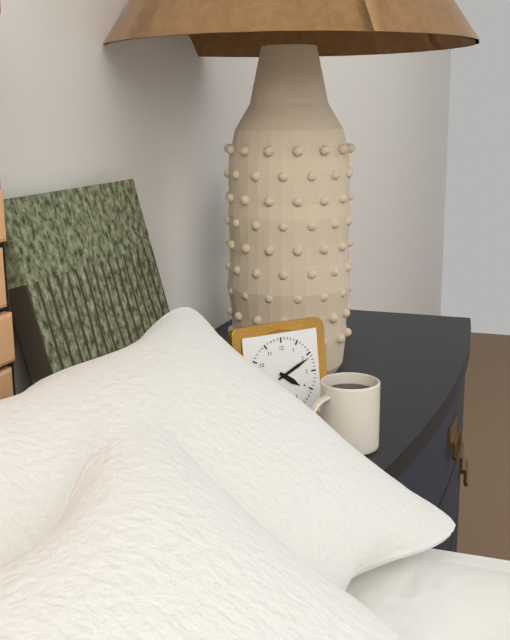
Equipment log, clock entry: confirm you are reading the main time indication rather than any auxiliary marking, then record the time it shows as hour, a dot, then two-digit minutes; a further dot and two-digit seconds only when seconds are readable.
4.11
